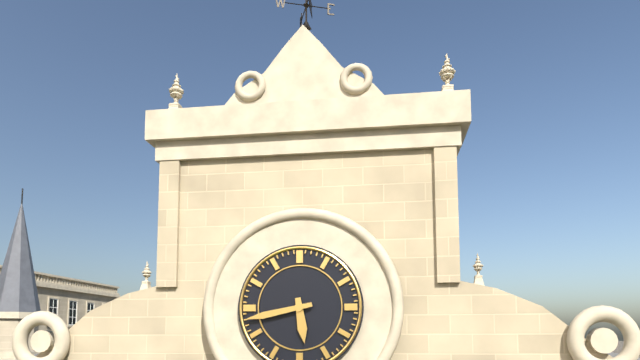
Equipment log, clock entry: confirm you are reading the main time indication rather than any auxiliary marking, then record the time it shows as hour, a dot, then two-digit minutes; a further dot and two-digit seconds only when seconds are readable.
5.43
